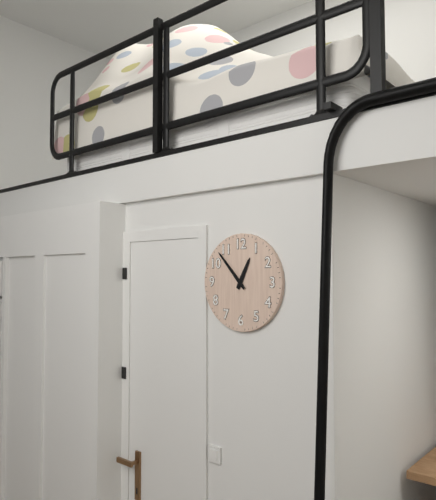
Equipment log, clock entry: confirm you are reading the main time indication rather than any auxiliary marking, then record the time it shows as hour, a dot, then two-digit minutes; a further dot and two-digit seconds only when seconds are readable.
12.53
